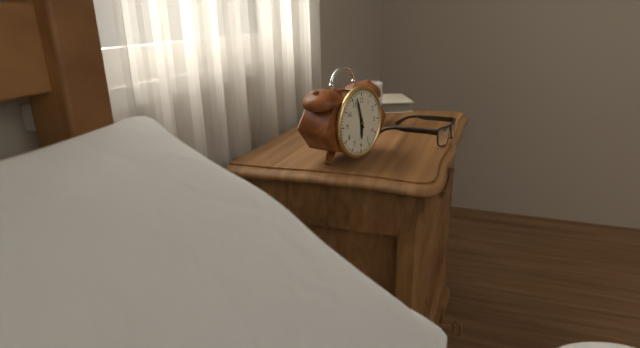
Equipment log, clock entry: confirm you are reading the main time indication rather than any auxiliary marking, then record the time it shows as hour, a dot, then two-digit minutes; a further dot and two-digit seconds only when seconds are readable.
5.57
